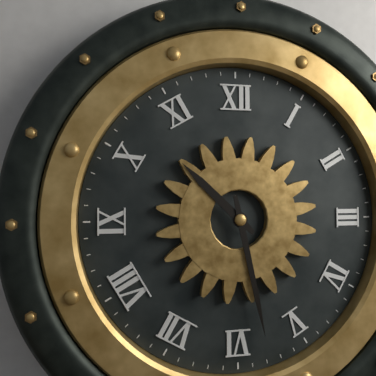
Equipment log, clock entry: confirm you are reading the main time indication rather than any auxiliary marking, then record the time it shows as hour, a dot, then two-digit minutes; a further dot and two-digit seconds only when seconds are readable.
10.28
